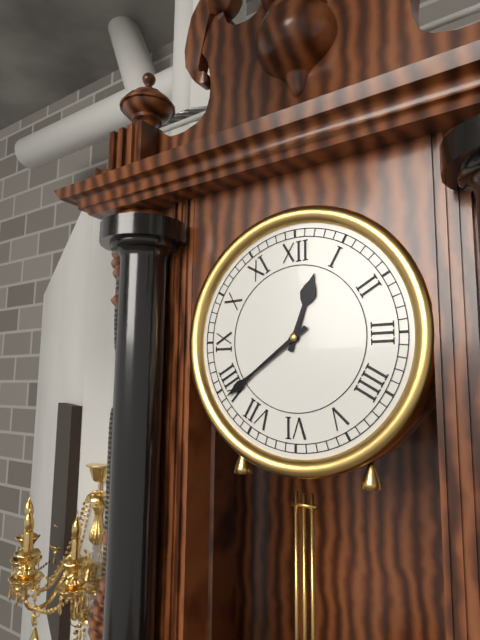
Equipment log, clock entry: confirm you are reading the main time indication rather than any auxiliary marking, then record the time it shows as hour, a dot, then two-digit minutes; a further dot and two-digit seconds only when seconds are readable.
12.39
